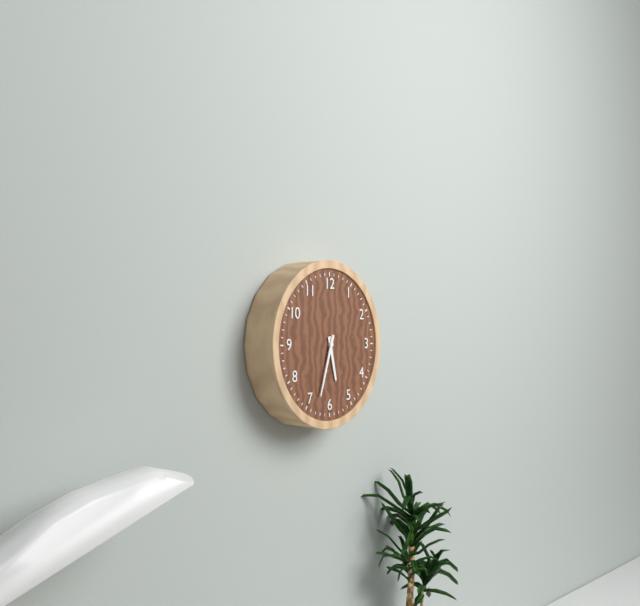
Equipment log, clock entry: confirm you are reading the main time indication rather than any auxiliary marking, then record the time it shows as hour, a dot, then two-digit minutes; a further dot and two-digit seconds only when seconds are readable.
5.33
